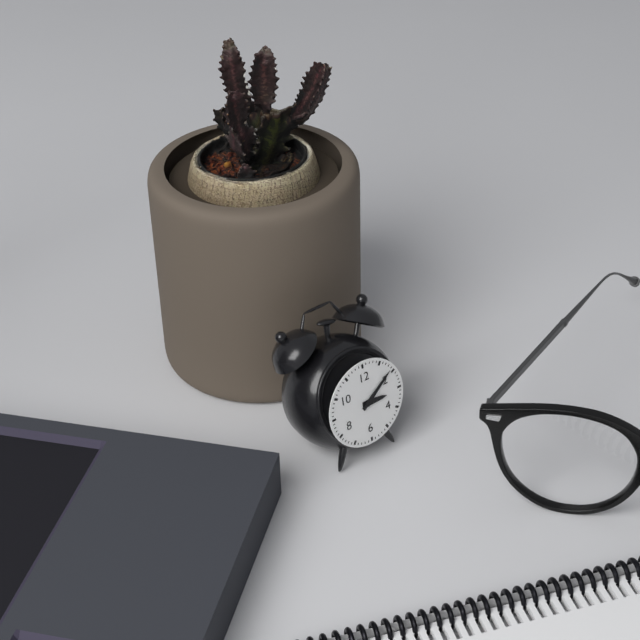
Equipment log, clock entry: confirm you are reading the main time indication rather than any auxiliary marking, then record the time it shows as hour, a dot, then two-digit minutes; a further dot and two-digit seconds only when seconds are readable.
3.09
